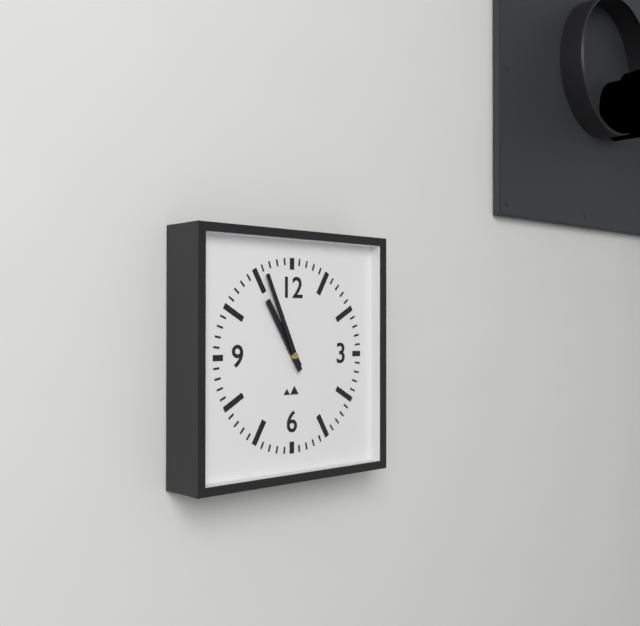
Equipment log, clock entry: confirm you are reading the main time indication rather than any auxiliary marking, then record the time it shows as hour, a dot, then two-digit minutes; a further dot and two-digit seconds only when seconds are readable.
10.56
